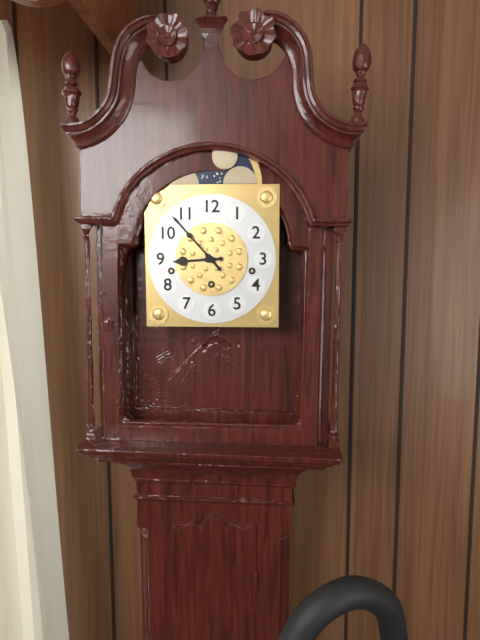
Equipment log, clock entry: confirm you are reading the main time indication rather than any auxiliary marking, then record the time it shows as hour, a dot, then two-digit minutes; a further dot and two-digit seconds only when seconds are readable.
8.53
